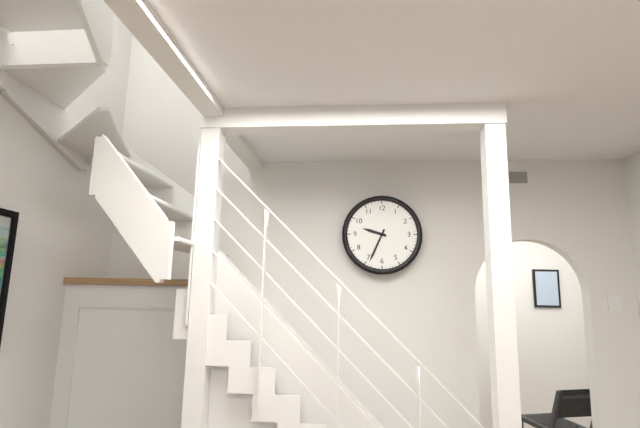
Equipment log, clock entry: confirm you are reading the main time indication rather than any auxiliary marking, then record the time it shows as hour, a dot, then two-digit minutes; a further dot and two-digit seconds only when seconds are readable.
9.34
